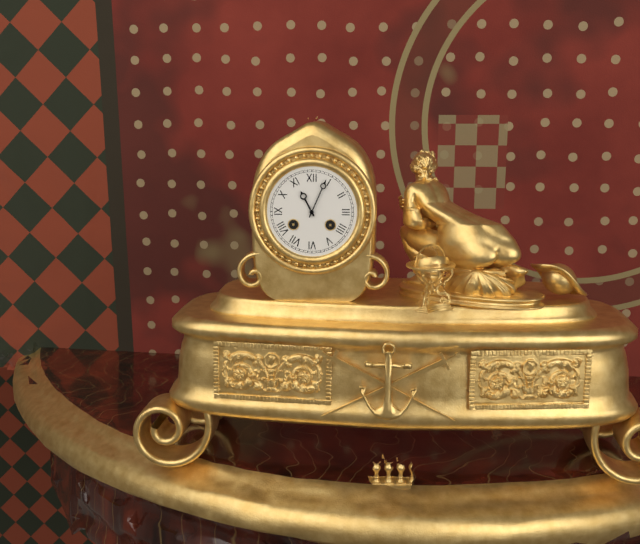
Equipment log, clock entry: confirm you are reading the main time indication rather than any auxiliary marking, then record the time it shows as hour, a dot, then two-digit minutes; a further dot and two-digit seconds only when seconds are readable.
11.04
